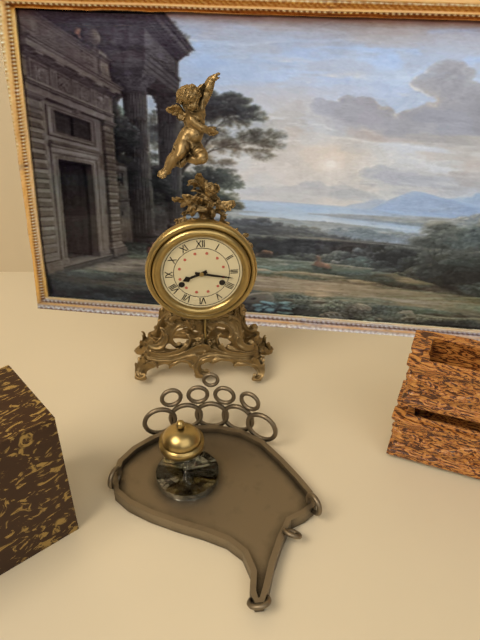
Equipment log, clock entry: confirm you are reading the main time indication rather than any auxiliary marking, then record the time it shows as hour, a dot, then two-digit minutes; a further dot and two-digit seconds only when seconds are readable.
8.17
